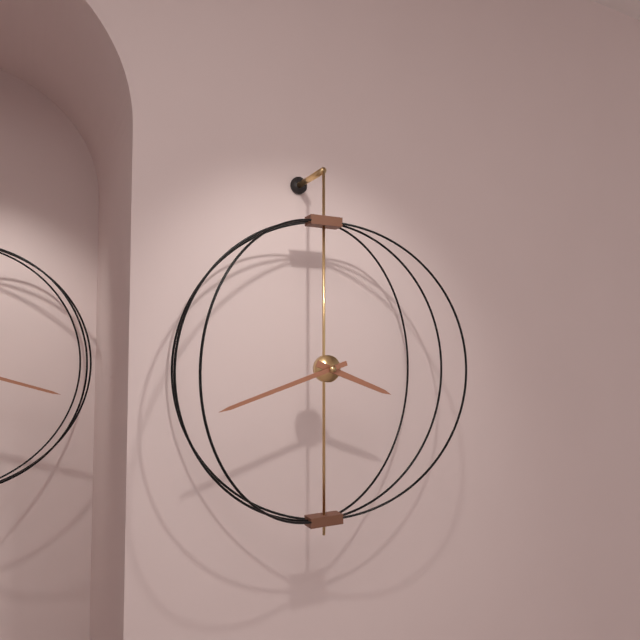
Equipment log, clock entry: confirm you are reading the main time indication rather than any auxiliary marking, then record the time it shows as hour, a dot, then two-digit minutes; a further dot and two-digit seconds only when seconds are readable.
3.42
